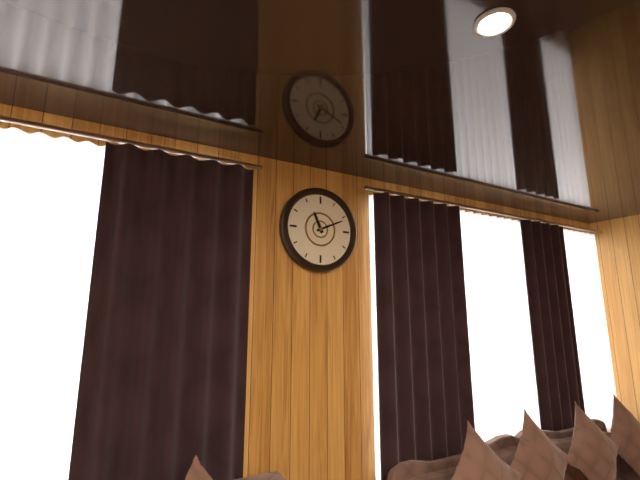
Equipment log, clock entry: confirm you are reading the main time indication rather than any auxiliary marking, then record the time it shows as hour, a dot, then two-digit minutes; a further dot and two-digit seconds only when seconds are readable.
11.11
